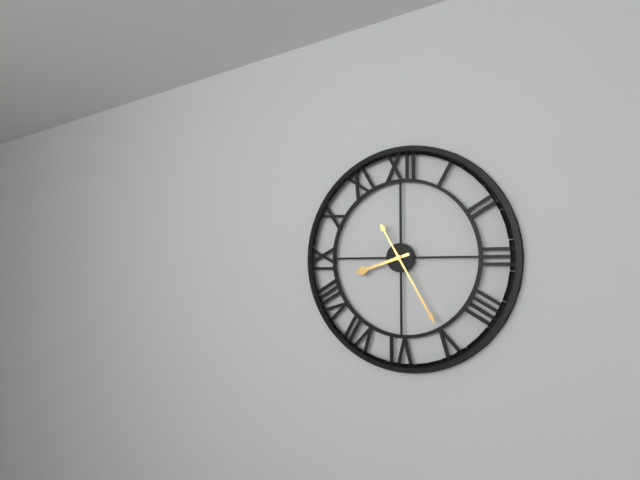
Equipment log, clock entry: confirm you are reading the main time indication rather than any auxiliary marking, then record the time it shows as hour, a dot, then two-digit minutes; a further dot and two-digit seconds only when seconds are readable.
8.25
